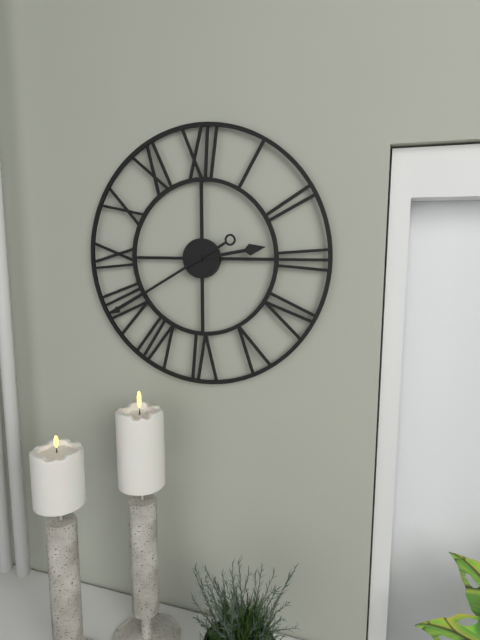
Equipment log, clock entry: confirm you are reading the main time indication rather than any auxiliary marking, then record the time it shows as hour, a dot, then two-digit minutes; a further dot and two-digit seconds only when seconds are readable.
2.40
